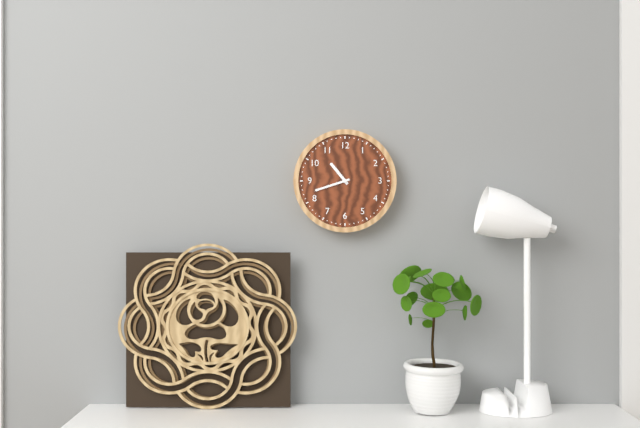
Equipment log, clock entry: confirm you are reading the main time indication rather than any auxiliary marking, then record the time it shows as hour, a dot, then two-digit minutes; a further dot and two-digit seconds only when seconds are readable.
10.42
